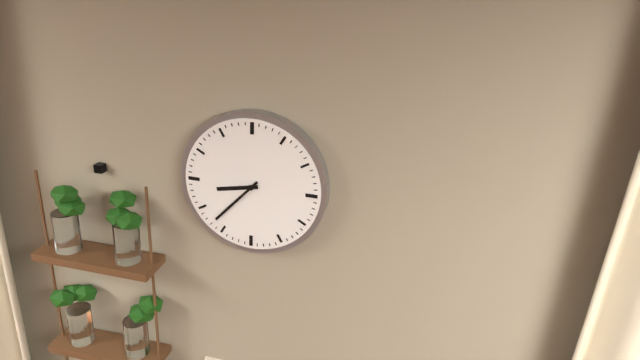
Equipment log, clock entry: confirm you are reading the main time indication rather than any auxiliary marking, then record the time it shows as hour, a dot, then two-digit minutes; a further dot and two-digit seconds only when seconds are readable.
8.37
